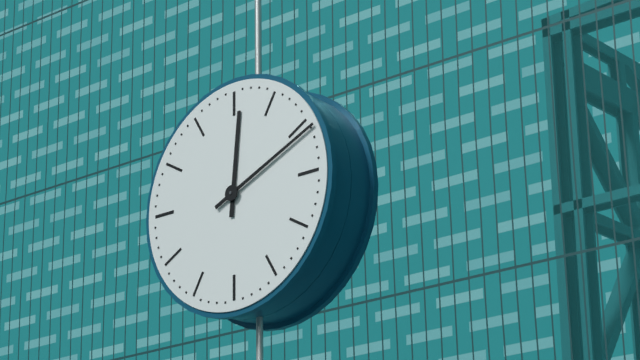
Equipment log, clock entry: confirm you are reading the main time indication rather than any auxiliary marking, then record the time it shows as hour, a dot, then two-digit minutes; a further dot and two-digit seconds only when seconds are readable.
12.11
